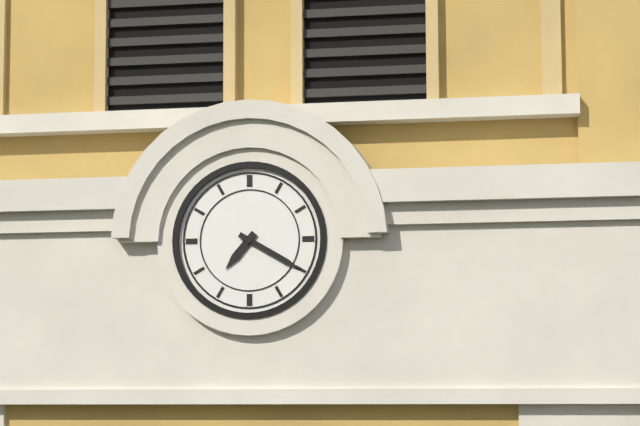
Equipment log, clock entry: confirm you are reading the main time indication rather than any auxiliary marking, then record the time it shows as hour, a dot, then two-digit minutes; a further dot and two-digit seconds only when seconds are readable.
7.20
